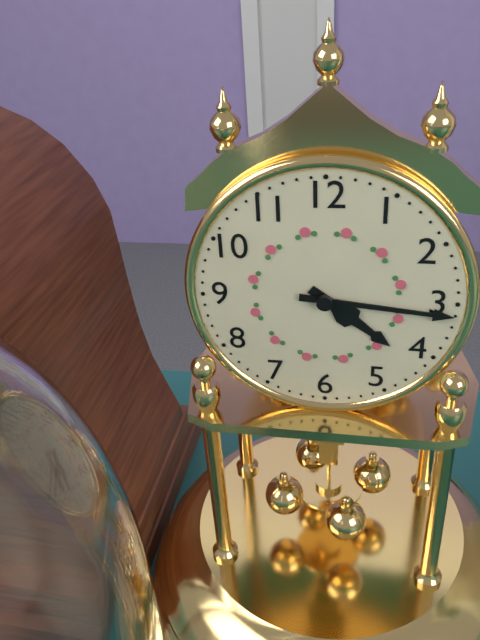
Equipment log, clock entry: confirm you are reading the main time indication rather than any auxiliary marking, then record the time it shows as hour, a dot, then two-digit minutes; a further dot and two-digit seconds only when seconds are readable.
4.16
